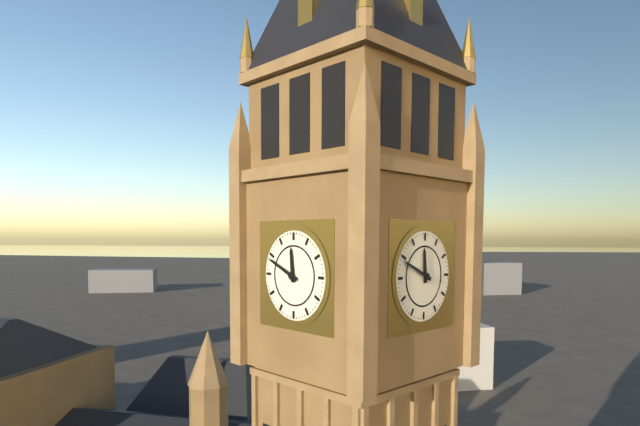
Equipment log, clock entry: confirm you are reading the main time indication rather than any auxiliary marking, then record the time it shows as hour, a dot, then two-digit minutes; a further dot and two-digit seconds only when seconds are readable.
11.49
